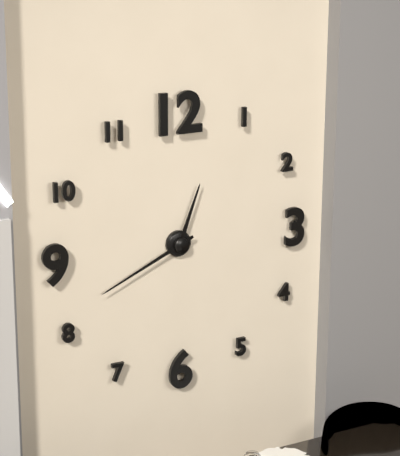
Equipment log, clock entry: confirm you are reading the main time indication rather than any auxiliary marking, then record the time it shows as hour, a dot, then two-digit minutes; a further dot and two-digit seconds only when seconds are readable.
12.41
